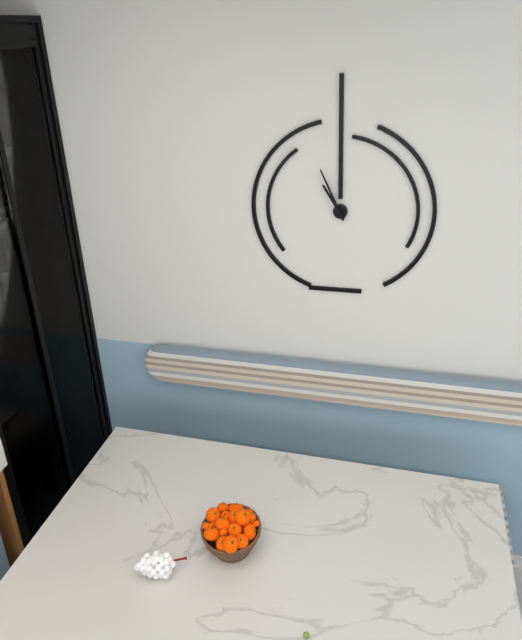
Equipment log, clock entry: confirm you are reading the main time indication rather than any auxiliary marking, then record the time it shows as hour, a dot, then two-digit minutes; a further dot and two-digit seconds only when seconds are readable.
10.56
